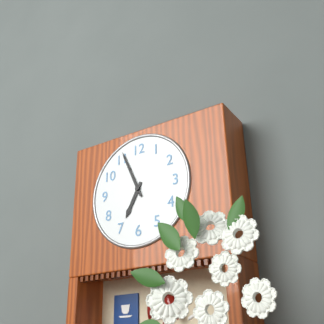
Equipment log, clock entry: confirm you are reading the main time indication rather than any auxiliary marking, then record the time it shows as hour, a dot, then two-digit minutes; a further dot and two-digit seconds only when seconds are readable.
6.56
